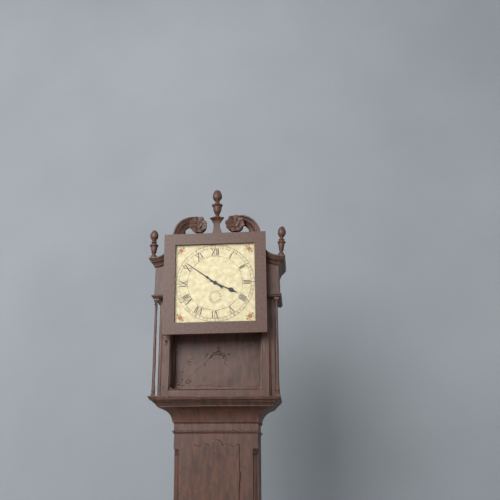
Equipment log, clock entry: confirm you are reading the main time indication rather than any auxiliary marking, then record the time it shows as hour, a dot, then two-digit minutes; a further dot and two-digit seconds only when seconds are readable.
3.51
